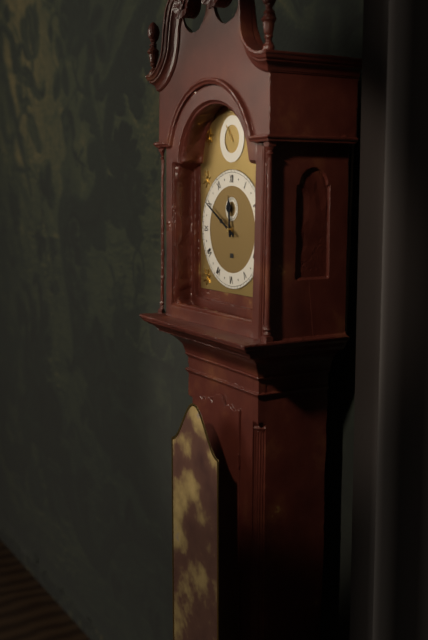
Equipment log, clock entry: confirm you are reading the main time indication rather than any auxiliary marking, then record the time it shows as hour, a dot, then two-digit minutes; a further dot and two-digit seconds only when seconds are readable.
11.50
